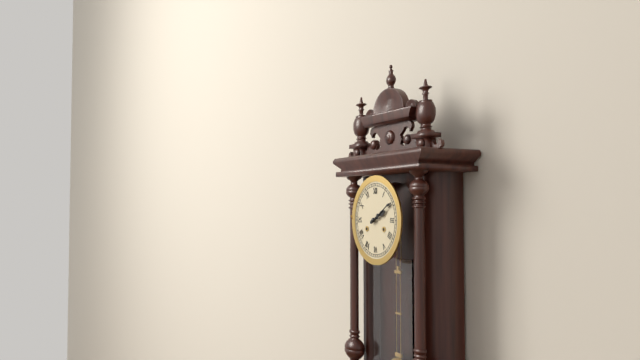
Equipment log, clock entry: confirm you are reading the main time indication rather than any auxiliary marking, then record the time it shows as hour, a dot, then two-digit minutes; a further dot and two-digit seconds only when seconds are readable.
2.10
